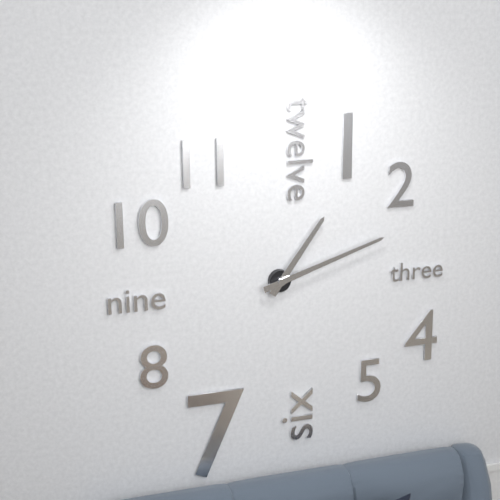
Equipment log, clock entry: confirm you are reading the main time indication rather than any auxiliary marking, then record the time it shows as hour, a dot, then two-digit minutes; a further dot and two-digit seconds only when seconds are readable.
1.12
